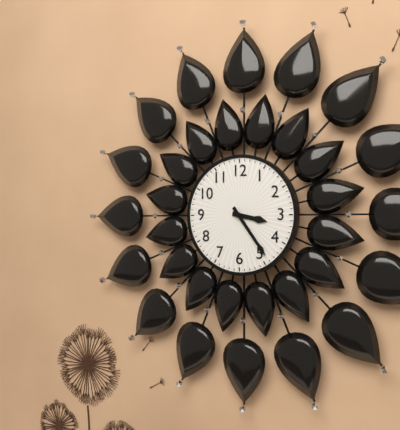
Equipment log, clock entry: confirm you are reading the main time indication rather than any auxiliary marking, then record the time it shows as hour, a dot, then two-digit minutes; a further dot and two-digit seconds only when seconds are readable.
3.24
